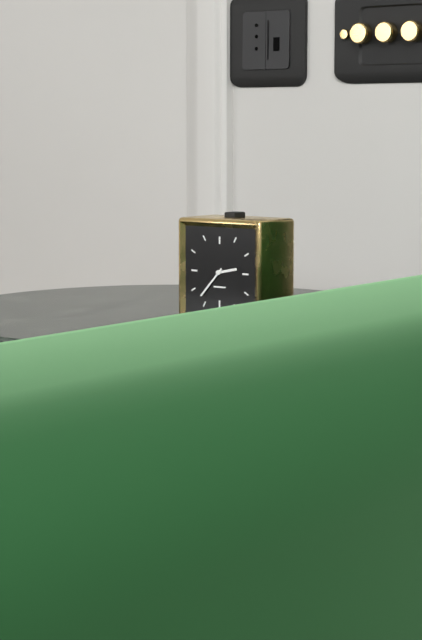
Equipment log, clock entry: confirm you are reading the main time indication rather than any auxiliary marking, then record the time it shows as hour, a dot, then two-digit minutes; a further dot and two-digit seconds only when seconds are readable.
2.37
